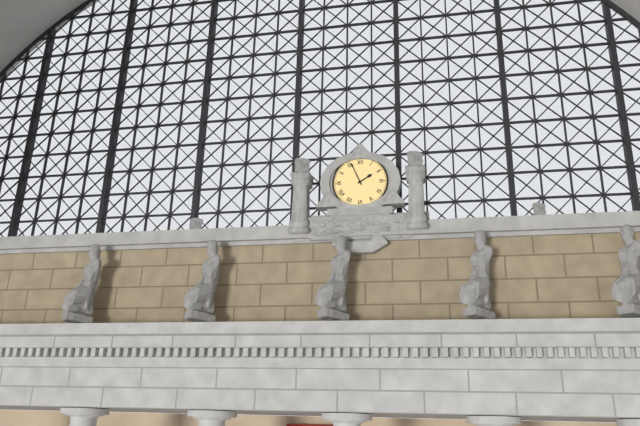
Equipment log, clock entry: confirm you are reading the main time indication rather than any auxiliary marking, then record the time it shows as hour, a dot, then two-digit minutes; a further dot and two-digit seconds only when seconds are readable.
1.56
